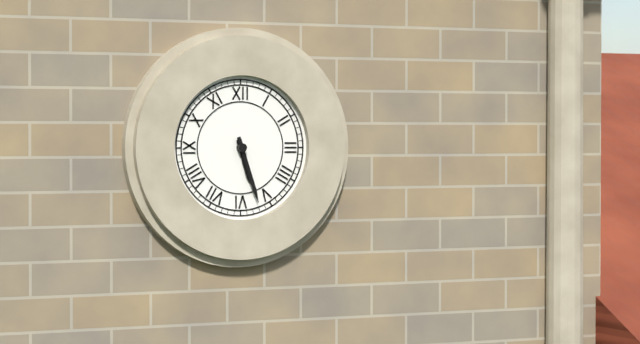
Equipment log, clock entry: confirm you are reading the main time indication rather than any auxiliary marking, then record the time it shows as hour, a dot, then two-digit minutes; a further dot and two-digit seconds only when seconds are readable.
5.27
